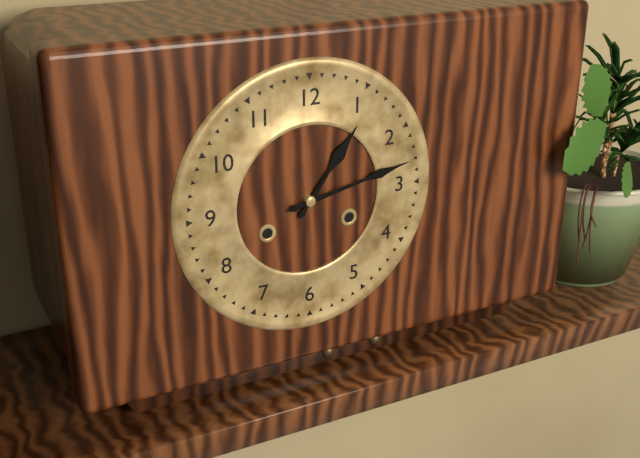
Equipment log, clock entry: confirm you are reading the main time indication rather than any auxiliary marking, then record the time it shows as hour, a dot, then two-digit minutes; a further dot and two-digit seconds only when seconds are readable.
1.13
